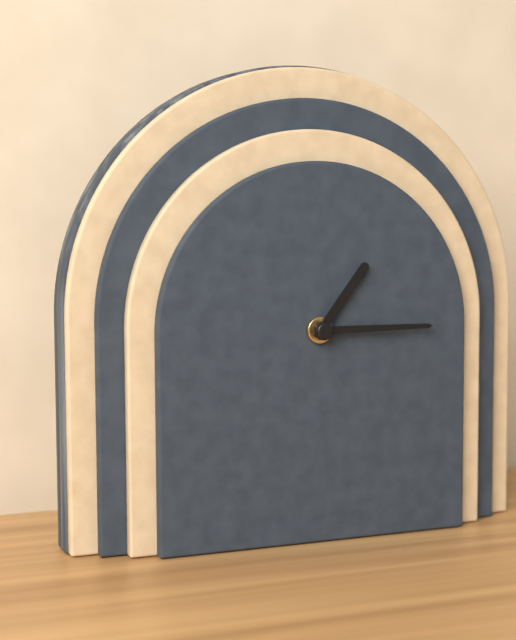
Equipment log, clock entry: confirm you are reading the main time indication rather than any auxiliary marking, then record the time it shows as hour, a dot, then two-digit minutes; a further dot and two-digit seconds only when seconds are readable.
1.15
